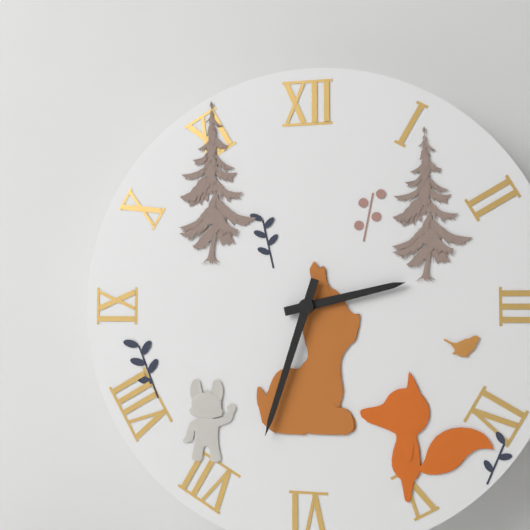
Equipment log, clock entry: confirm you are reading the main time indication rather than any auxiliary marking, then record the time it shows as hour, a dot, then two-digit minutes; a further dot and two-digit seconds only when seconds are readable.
2.33
